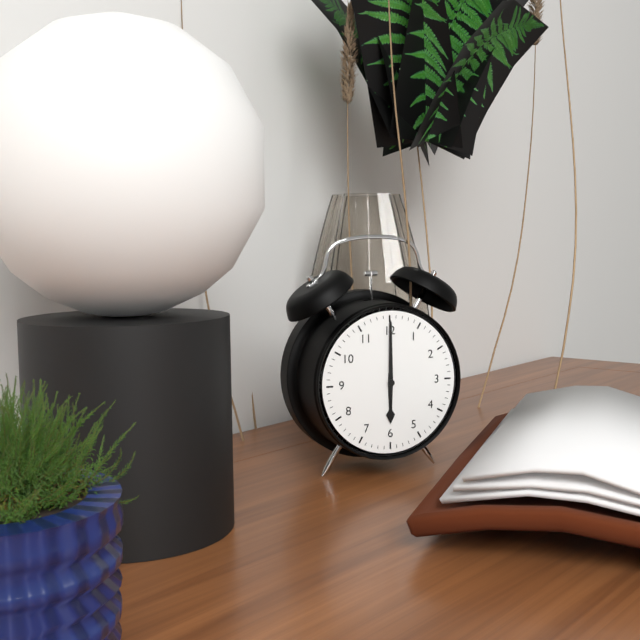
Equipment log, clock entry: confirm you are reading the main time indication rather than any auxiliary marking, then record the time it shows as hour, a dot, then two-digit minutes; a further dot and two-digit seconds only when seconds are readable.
6.00
